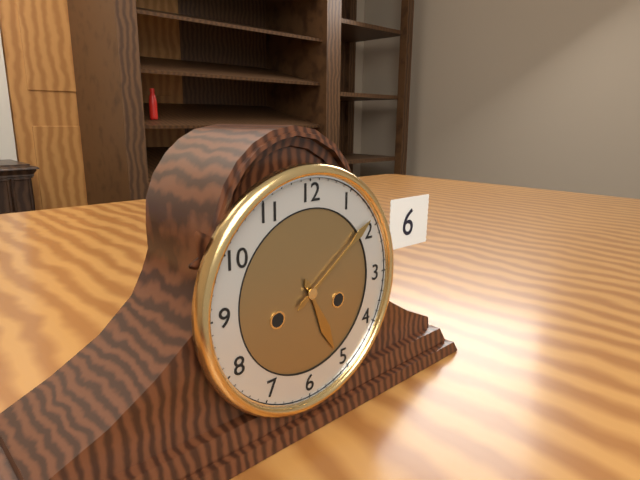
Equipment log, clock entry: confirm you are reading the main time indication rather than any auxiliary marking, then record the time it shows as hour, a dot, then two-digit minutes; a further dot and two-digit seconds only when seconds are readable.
5.09
